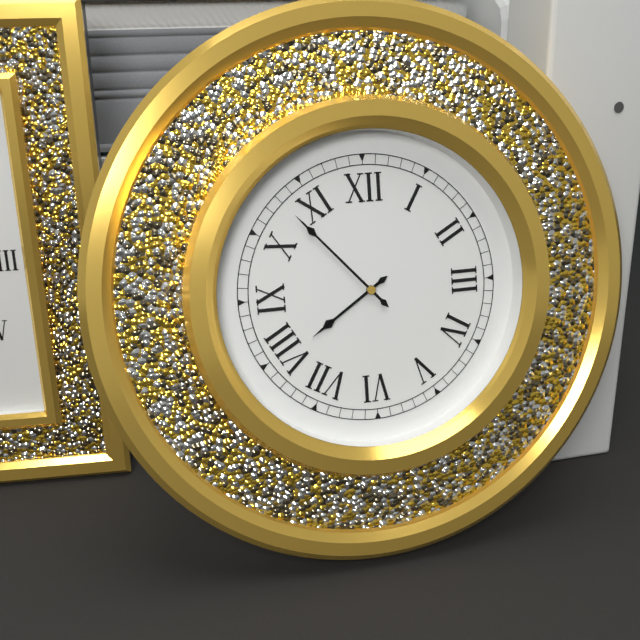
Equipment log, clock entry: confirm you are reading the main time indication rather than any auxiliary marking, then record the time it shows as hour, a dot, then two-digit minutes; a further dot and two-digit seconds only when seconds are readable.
7.53
